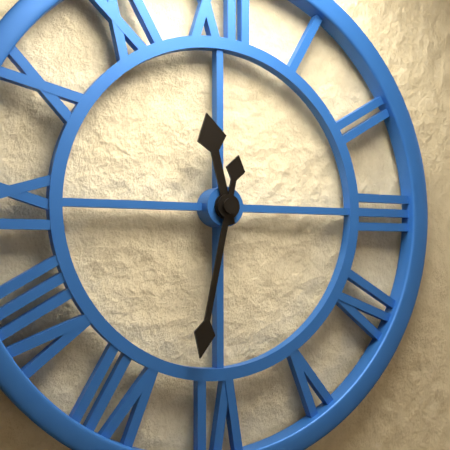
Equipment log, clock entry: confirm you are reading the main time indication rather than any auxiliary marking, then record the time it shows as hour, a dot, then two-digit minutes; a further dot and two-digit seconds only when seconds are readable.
11.32
